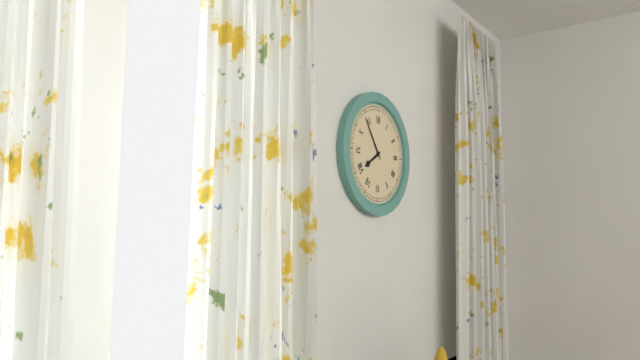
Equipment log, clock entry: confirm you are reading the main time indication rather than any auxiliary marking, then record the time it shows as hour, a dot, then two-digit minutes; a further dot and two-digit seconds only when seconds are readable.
7.54
